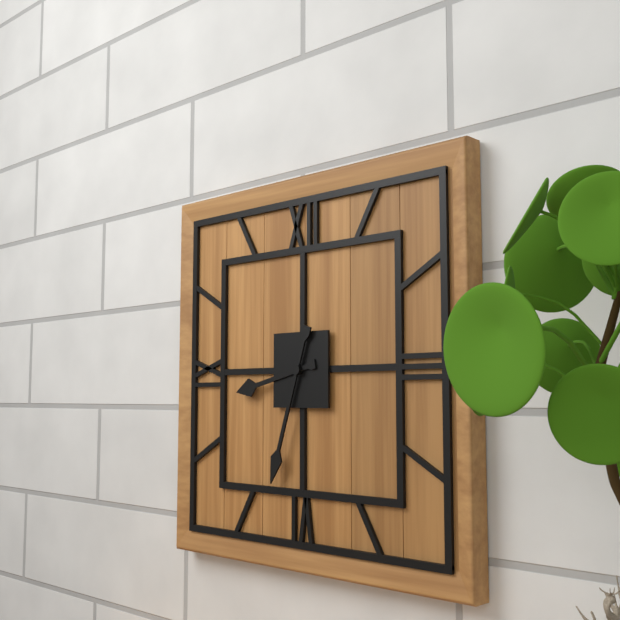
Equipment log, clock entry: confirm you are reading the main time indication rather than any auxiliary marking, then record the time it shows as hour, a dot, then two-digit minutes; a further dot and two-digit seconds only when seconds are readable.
8.33
